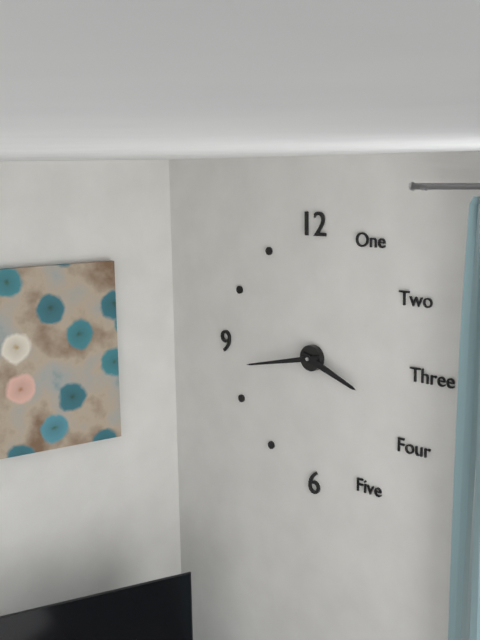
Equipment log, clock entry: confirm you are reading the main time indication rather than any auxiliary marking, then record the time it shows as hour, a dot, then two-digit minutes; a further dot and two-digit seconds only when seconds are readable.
3.43
